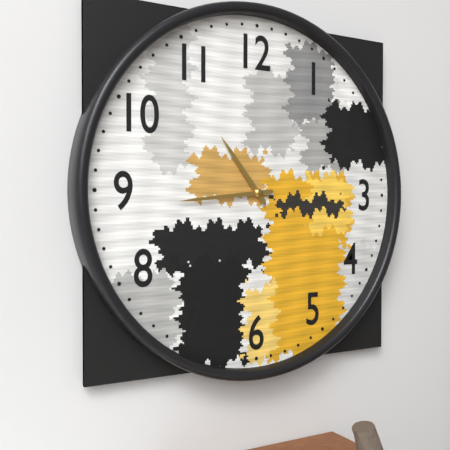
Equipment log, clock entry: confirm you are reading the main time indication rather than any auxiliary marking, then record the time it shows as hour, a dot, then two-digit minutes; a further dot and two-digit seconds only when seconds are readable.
10.44
